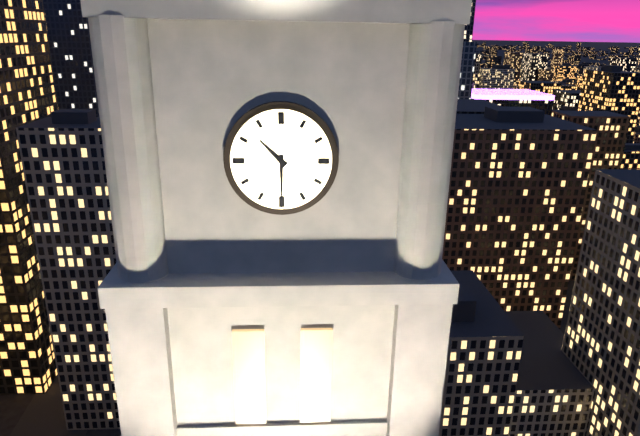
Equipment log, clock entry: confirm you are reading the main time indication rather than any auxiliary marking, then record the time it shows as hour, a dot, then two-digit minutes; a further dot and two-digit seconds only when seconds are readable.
10.30
